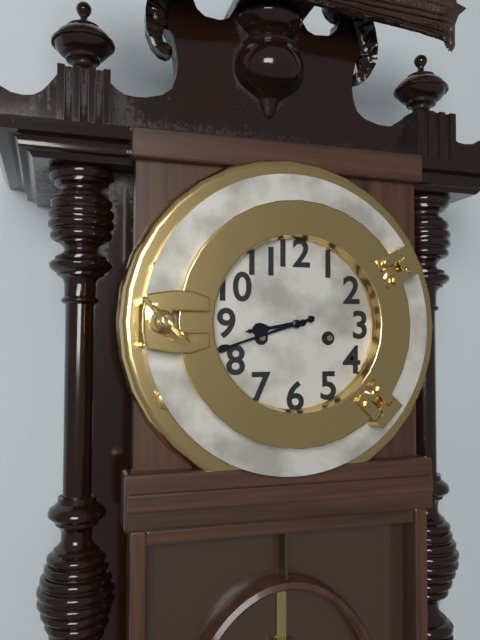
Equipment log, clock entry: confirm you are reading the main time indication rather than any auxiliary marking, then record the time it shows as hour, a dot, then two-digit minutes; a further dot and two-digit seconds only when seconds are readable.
8.42
